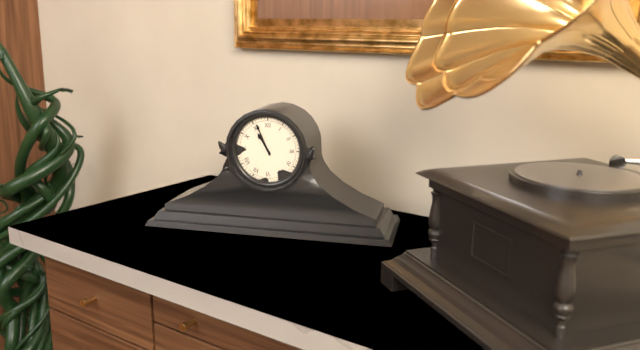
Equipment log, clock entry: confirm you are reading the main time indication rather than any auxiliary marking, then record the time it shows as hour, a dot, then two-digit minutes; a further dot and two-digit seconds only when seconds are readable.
10.56
